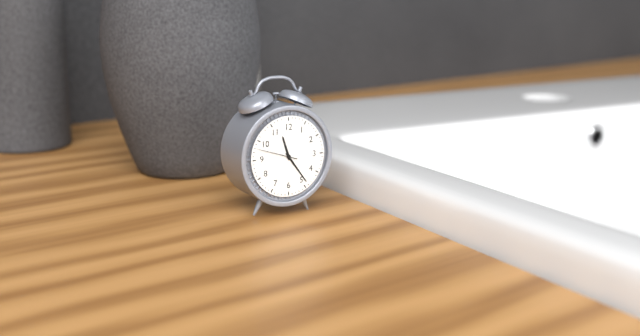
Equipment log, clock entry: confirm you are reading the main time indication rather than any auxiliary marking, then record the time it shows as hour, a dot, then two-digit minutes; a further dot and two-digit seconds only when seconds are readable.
11.24
